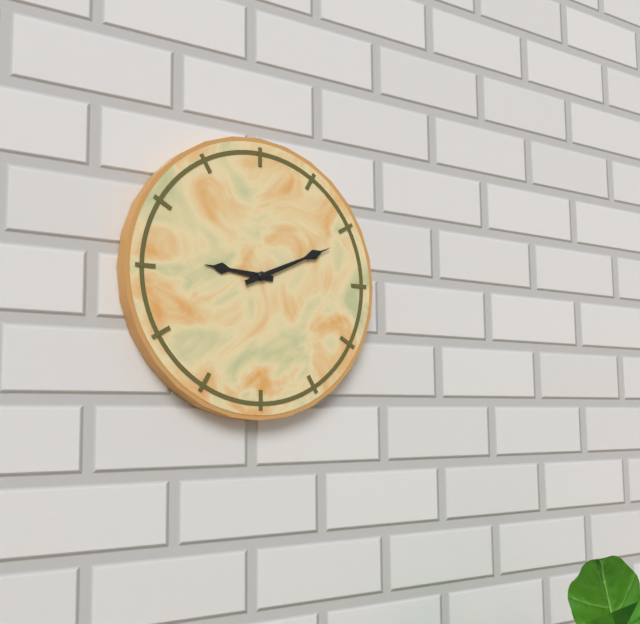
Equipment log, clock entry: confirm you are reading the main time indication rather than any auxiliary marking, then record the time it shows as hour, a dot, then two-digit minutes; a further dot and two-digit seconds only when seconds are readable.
9.11
